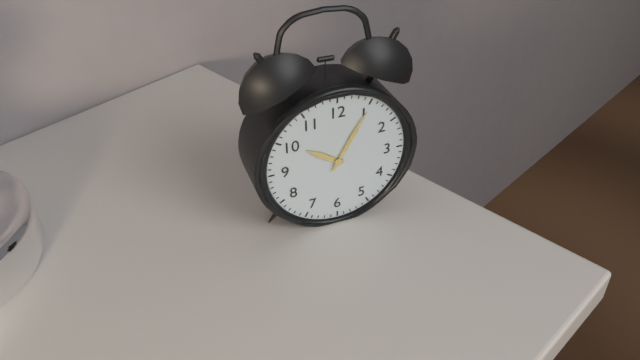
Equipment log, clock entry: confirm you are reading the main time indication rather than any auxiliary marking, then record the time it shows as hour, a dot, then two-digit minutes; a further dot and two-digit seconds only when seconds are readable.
10.05
